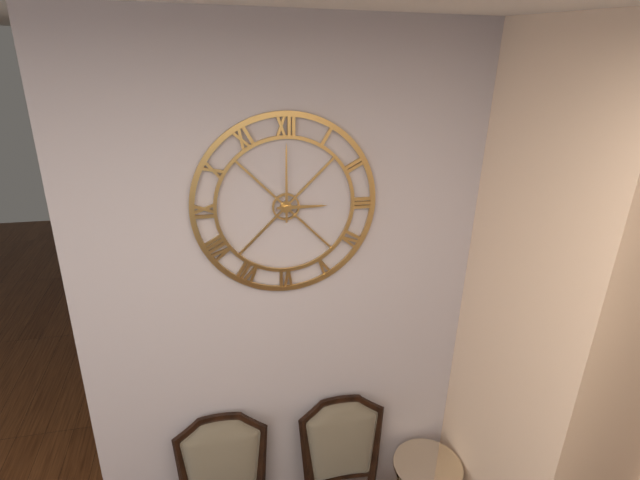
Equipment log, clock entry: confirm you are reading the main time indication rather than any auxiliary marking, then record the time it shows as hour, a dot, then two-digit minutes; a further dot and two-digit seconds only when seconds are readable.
3.00
